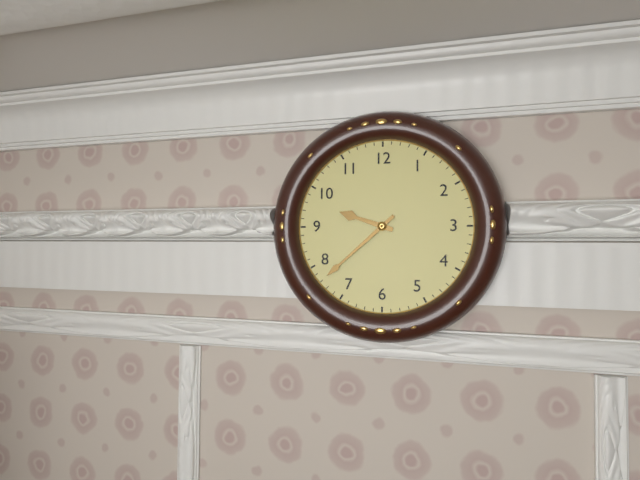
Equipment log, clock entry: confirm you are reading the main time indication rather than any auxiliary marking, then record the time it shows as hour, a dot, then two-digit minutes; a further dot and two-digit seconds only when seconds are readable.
9.38
